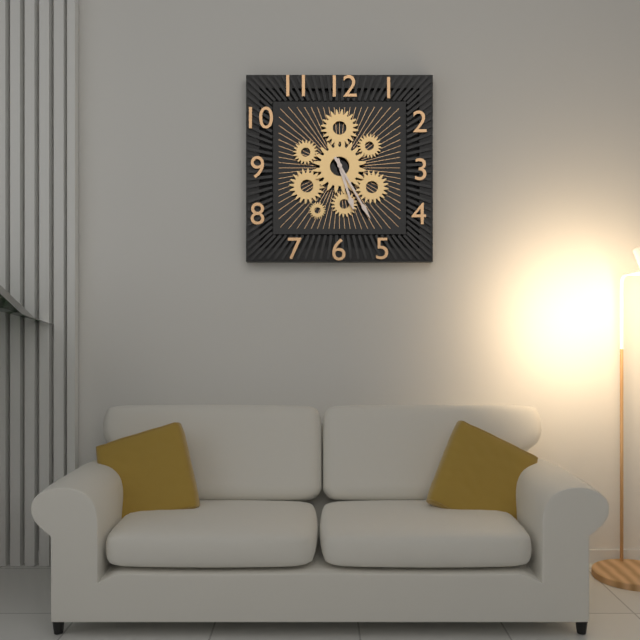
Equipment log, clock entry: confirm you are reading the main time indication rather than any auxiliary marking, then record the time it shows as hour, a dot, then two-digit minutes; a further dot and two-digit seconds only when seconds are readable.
5.25
